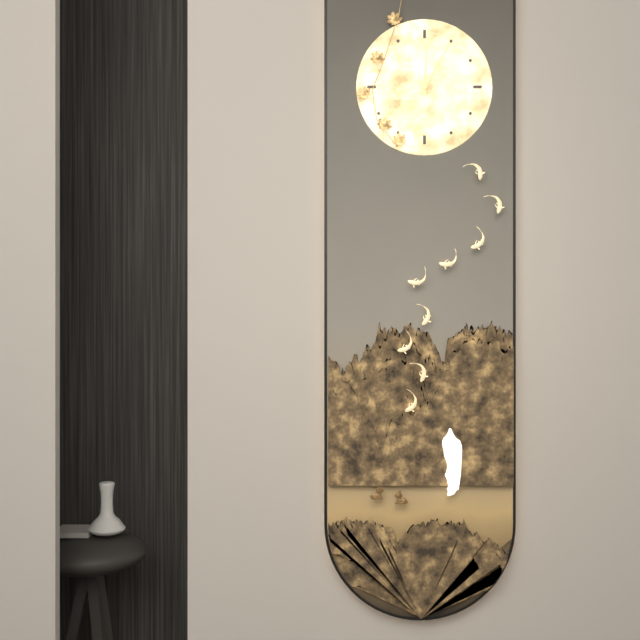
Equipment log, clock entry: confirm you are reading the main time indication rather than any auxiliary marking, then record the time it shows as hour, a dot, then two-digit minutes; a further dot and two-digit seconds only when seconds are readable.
12.05
